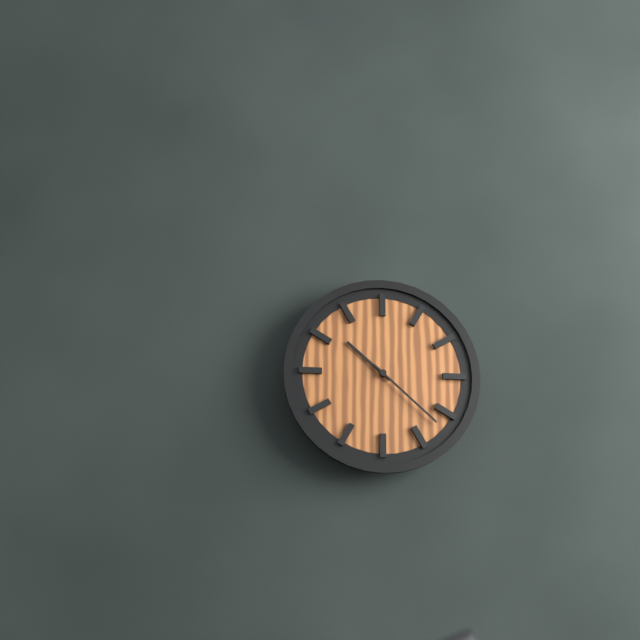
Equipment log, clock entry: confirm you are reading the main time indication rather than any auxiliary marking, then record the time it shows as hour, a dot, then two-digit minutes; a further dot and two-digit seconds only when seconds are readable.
10.22
